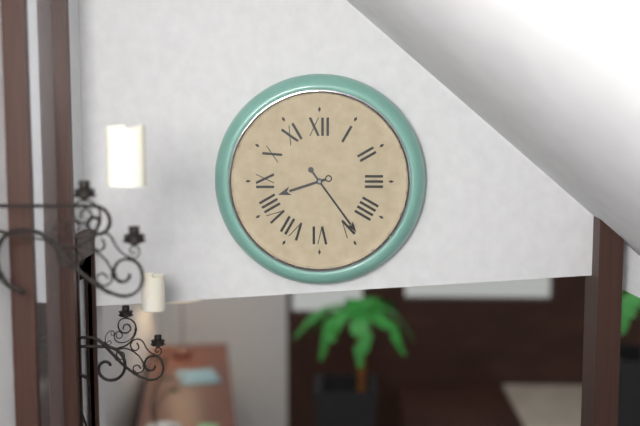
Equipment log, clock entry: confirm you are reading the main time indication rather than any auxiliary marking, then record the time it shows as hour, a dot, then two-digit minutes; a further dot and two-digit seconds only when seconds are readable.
8.24
